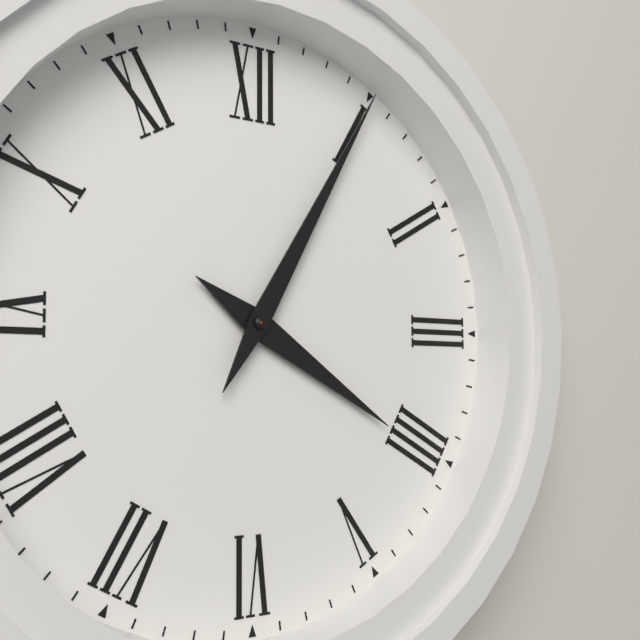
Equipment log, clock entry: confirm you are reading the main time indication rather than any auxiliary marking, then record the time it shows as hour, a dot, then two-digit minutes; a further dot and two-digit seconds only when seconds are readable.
4.05
